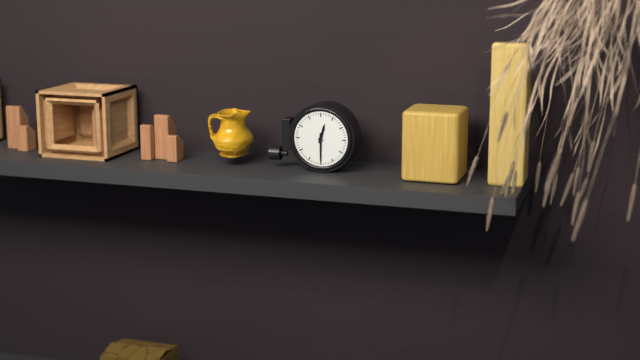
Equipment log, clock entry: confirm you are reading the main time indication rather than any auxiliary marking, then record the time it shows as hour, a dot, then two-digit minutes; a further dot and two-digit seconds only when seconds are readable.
12.30
